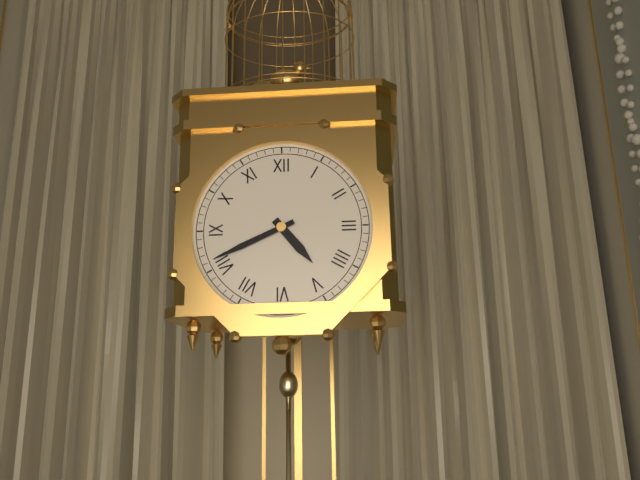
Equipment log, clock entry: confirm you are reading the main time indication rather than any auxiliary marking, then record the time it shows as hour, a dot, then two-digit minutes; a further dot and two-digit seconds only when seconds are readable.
4.41
